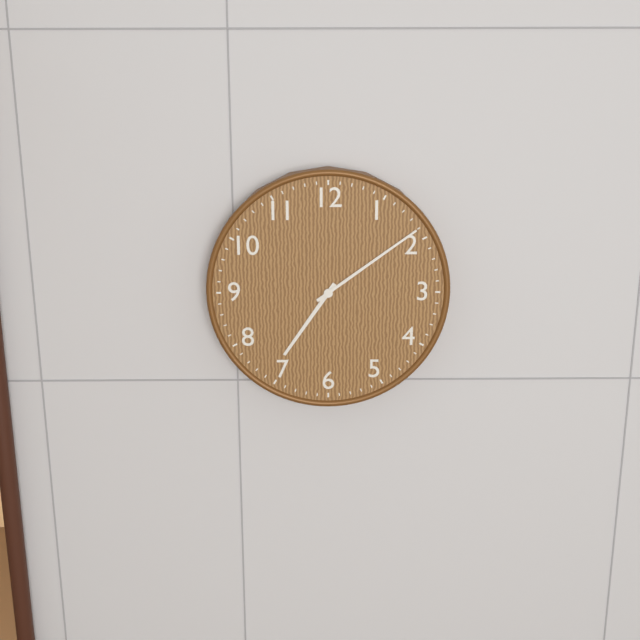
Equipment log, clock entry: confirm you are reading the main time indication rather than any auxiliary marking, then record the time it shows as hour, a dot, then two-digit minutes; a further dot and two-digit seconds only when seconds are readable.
7.09
